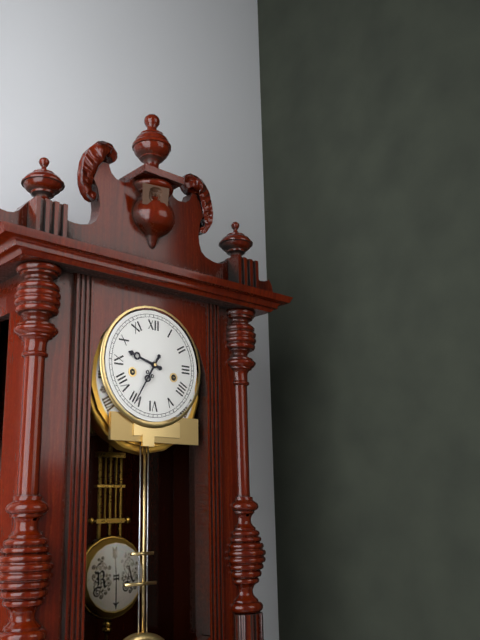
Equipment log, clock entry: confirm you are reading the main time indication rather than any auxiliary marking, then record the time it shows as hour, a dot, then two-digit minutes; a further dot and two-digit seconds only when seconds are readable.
9.35
